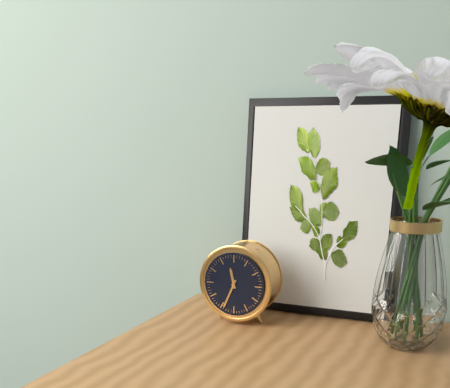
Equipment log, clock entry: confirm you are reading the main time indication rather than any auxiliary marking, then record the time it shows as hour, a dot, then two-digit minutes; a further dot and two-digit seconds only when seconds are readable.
11.34
